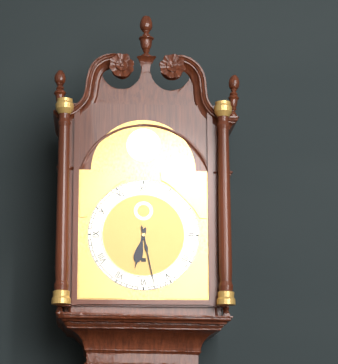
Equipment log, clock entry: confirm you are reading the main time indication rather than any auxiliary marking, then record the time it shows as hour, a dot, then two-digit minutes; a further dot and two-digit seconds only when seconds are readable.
6.28
